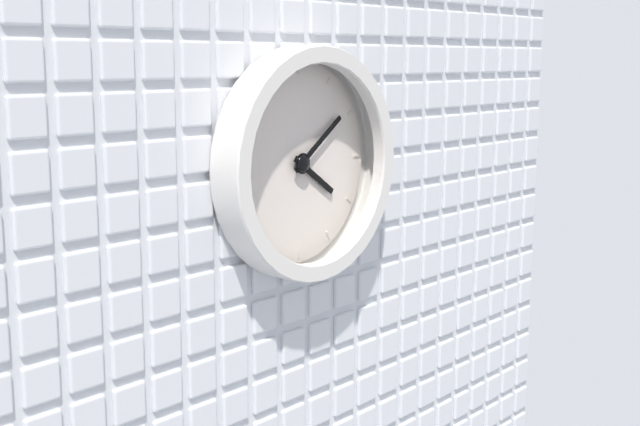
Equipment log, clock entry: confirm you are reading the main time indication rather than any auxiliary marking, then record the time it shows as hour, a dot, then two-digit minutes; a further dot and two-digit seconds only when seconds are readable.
4.09
